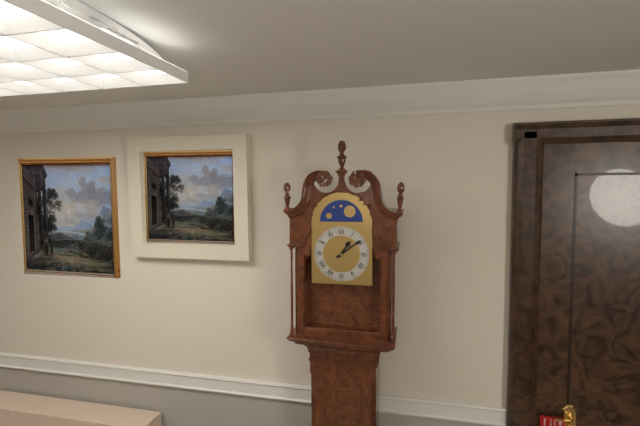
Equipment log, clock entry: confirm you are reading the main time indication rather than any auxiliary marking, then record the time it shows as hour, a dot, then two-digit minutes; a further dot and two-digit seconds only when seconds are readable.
1.09
